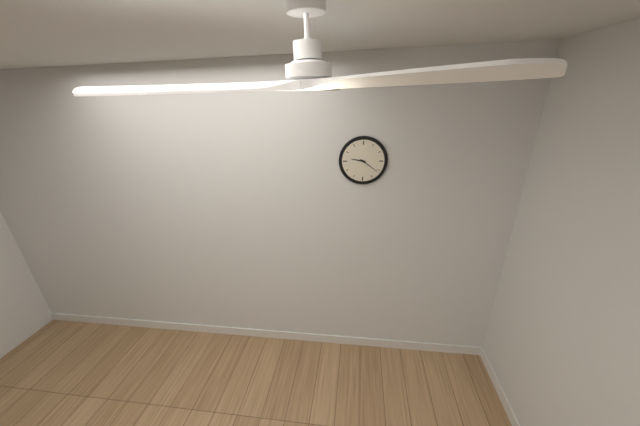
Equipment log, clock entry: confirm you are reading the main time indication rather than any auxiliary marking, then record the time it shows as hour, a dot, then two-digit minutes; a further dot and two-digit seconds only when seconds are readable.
9.21
